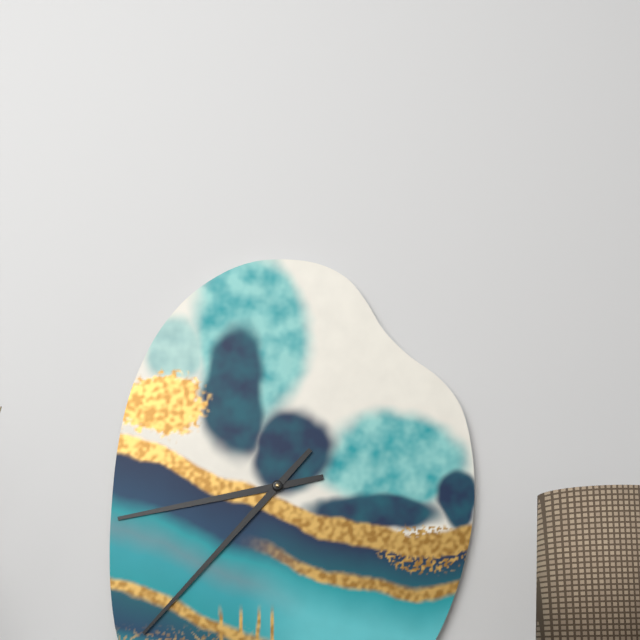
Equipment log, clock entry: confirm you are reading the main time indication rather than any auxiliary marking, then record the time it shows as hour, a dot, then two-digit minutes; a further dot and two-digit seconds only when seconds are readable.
8.37
